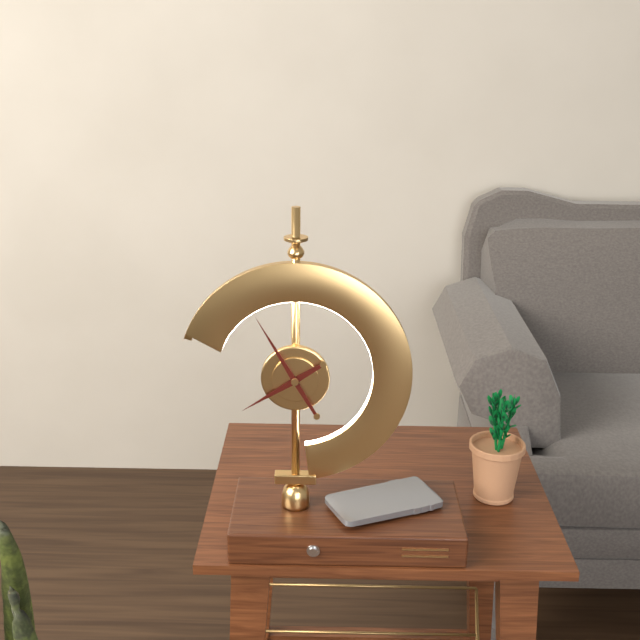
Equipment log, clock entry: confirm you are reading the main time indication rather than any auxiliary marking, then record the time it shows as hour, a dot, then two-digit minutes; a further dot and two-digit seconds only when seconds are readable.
7.55
